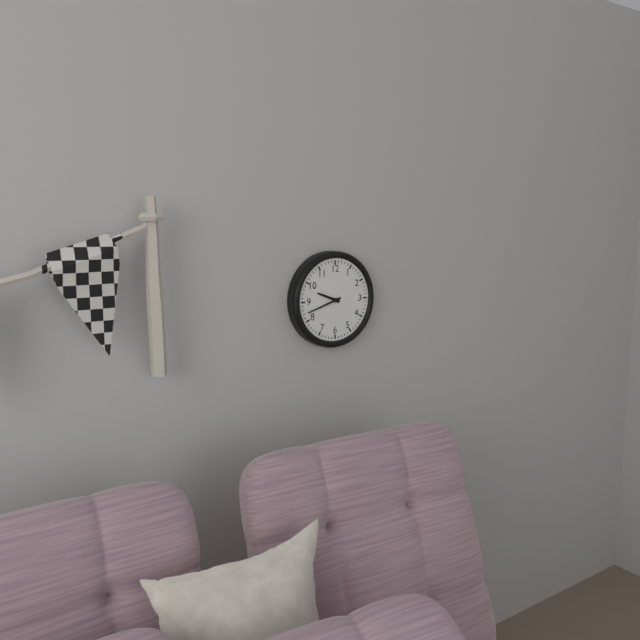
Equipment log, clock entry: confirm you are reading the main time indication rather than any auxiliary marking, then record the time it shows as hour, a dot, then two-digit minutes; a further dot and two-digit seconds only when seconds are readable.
9.42
